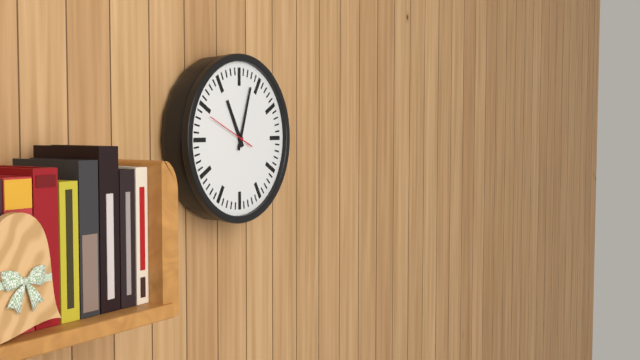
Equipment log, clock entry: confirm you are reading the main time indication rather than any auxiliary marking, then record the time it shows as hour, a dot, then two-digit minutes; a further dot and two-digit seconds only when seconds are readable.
11.03
